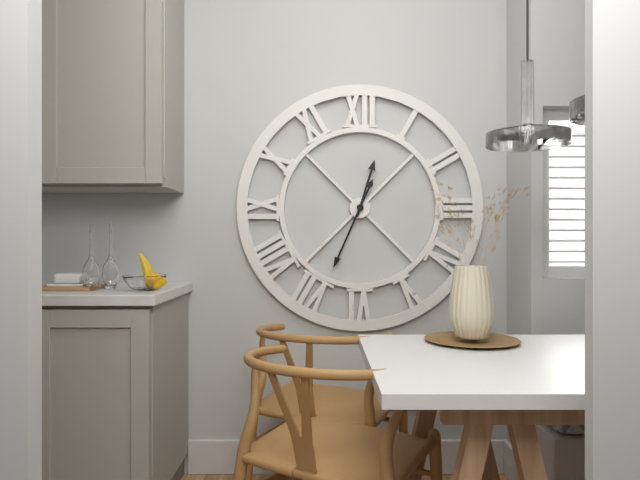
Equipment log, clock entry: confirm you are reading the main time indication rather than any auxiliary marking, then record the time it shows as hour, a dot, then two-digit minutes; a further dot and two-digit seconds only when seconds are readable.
12.34
